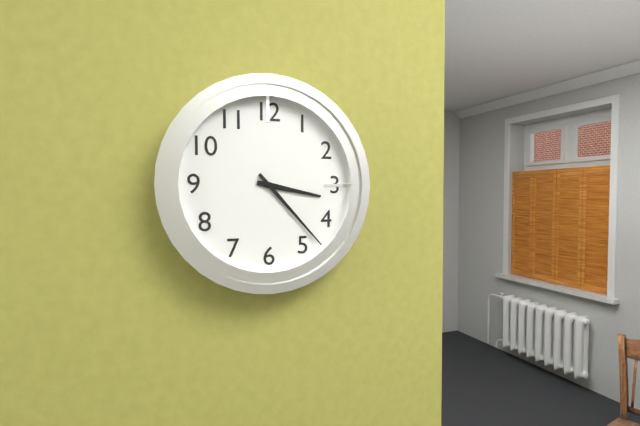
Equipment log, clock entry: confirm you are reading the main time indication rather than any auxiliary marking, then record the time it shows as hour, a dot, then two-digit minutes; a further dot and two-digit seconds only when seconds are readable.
3.23
